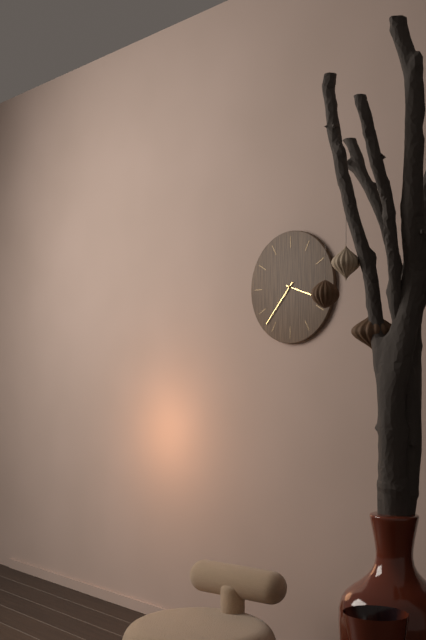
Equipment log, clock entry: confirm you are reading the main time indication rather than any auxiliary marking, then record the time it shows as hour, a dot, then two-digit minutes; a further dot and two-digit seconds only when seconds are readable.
3.37
